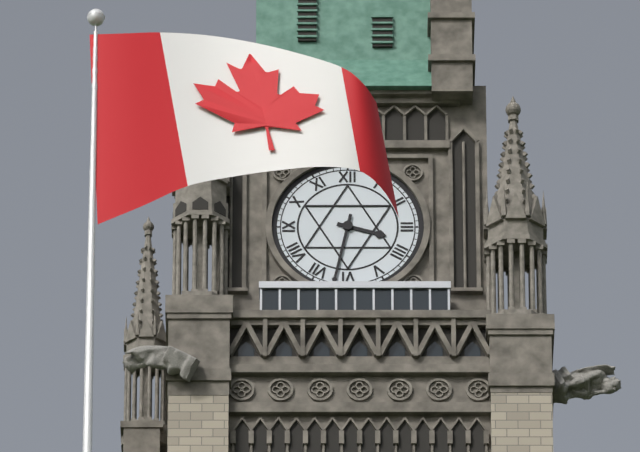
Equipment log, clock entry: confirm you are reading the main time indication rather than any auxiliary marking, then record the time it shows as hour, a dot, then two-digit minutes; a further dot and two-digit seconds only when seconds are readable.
3.32
